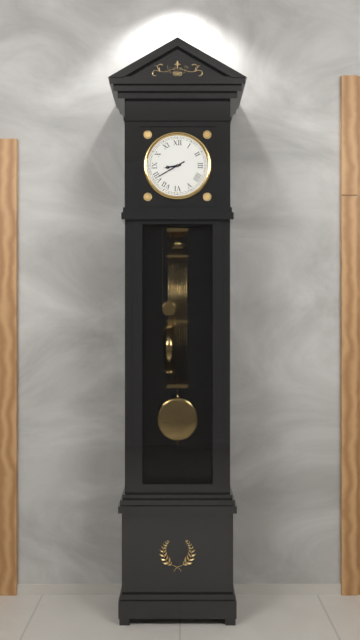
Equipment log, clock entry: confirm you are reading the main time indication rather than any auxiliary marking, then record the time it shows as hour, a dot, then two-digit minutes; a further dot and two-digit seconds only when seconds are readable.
8.40
